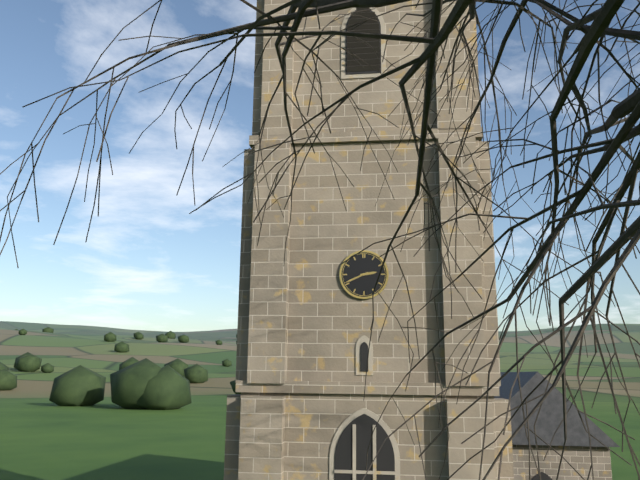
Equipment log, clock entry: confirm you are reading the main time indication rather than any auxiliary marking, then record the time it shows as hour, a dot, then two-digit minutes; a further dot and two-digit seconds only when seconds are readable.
2.41
